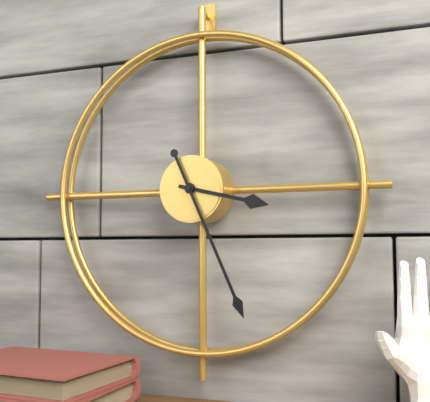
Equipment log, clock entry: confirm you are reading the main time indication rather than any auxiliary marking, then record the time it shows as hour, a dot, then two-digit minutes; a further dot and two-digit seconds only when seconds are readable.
3.26
